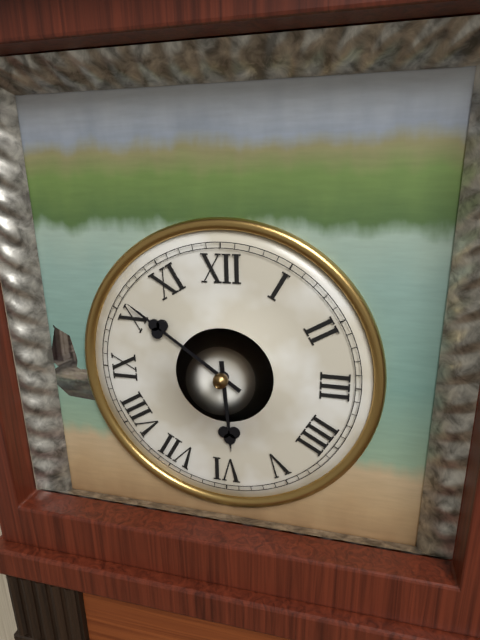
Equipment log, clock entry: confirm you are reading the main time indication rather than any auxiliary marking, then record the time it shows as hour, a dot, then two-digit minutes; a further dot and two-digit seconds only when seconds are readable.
5.51
